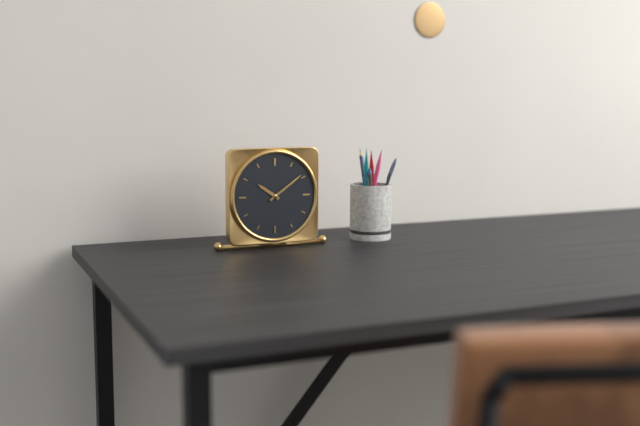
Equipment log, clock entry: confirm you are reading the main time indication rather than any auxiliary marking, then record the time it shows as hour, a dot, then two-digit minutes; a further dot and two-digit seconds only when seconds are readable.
10.09
